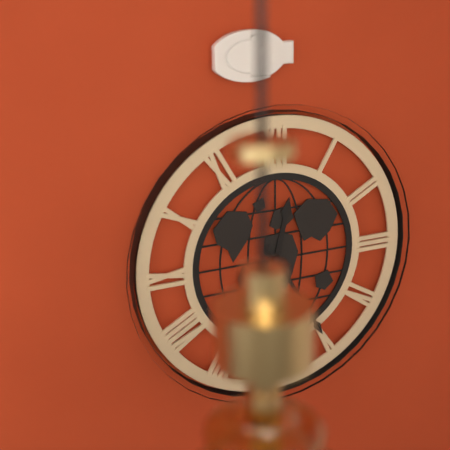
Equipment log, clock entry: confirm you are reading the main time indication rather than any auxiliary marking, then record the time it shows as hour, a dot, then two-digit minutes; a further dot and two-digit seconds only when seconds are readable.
12.25
